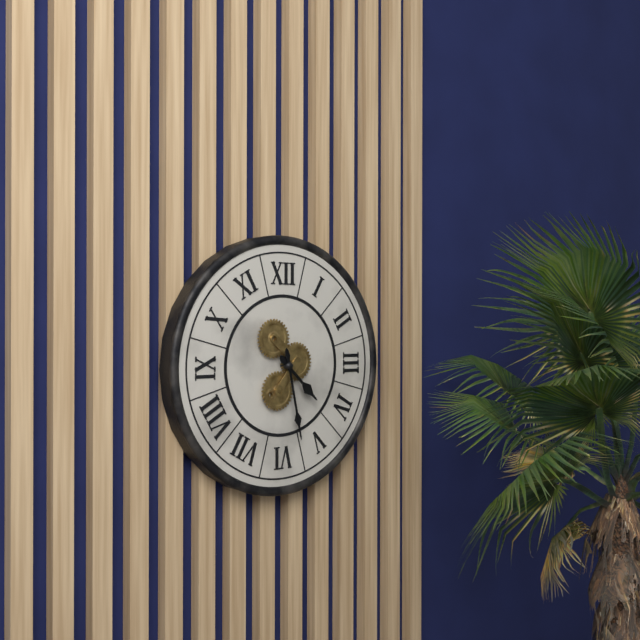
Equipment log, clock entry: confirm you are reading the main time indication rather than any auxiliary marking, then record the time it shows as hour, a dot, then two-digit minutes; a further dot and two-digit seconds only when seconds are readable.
4.28
